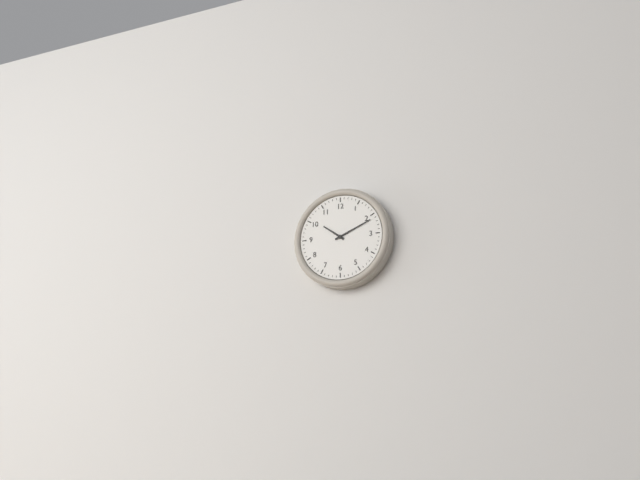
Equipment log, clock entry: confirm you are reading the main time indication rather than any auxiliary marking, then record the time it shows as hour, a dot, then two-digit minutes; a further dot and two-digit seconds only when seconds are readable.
10.11
